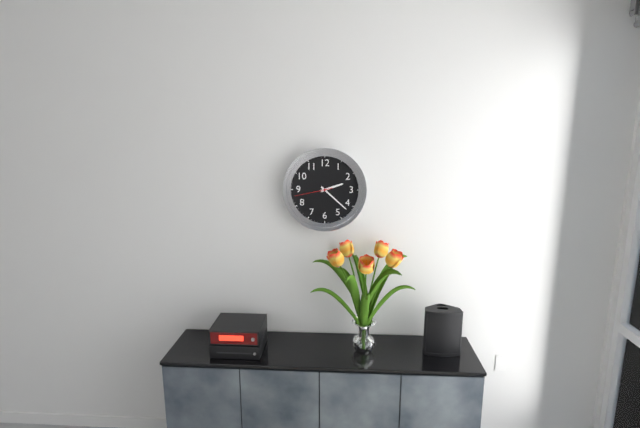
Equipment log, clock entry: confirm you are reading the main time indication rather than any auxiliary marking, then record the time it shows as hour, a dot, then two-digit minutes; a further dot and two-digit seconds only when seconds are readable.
2.22
